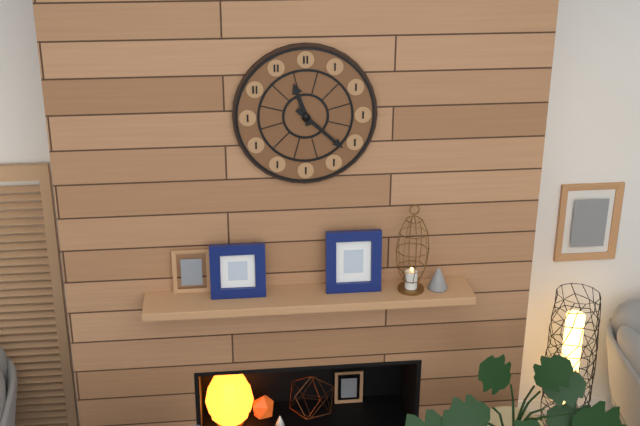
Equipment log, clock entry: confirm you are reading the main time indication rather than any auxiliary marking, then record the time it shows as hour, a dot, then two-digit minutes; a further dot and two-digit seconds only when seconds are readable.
11.22
